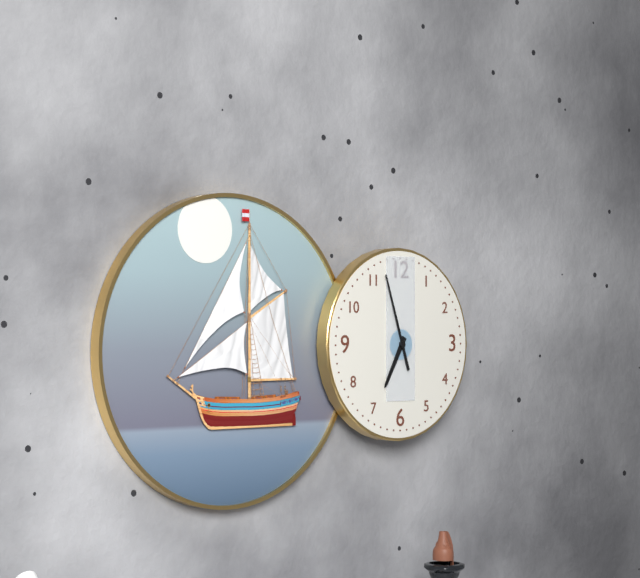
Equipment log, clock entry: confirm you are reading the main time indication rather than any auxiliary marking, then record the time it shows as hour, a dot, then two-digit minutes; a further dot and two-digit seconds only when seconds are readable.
6.57
